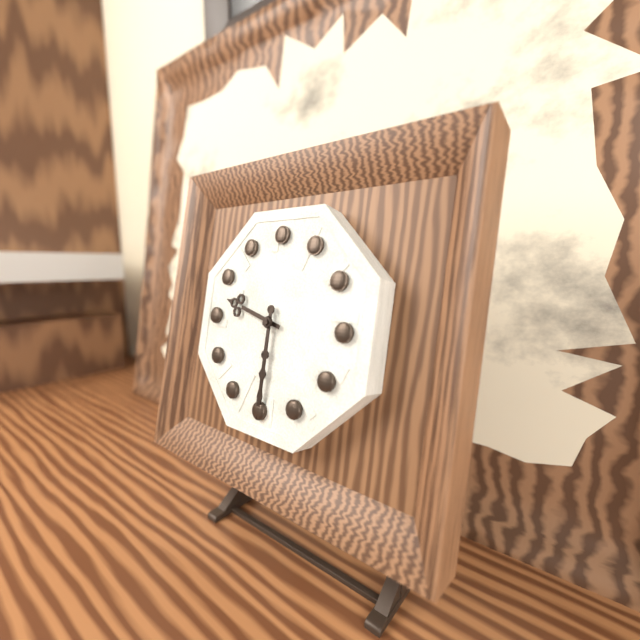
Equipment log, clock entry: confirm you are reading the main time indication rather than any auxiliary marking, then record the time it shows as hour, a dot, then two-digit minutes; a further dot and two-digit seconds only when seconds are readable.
9.30
